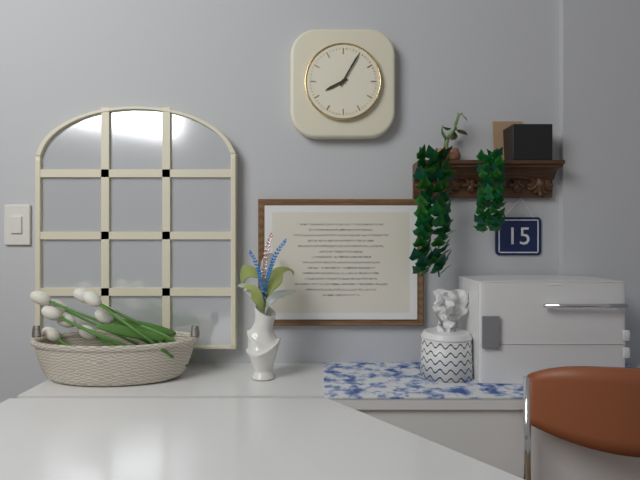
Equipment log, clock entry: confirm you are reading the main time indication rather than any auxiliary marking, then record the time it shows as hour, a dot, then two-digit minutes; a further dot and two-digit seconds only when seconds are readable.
8.05
